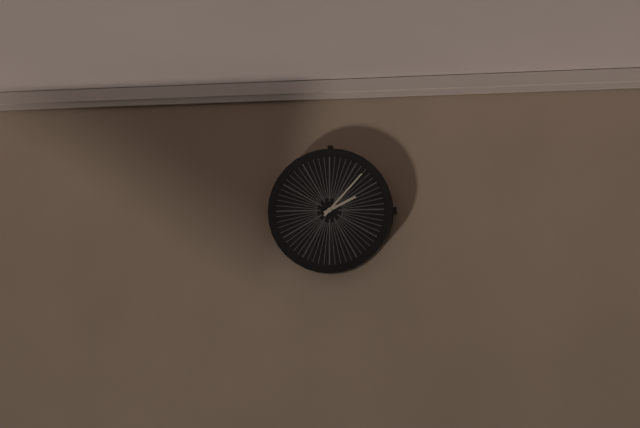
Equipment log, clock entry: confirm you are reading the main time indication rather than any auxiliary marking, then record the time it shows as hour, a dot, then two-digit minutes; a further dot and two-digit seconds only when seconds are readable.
2.07
